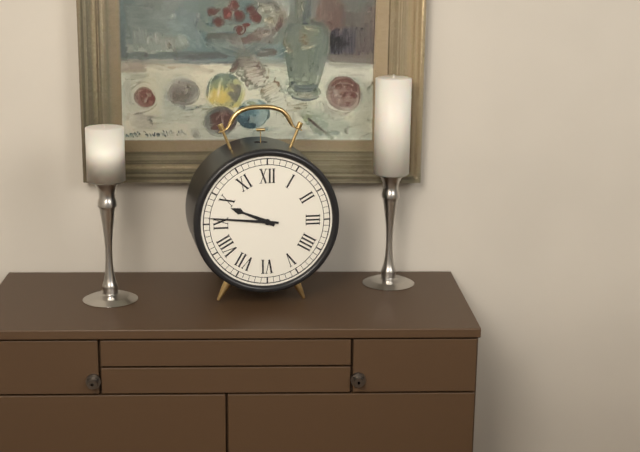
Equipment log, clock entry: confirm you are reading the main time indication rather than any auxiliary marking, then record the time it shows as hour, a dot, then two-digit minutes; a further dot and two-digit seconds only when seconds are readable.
9.46
